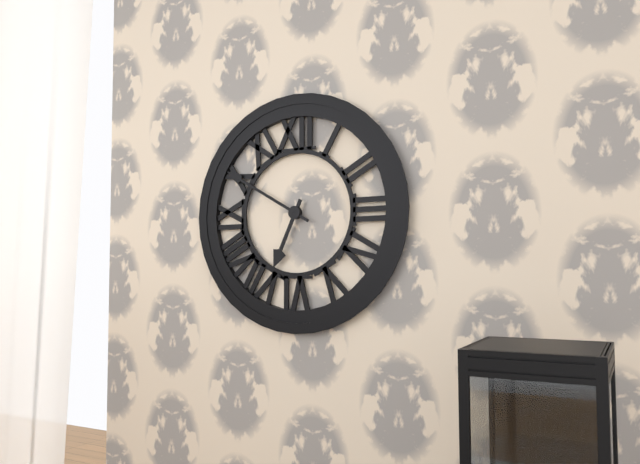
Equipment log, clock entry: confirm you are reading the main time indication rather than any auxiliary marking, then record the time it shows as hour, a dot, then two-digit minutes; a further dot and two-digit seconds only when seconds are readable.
6.50
